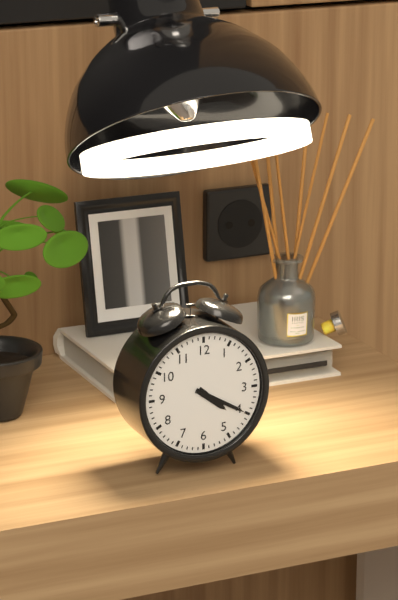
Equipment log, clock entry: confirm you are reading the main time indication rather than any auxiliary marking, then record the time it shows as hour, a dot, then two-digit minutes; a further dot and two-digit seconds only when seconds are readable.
4.20
